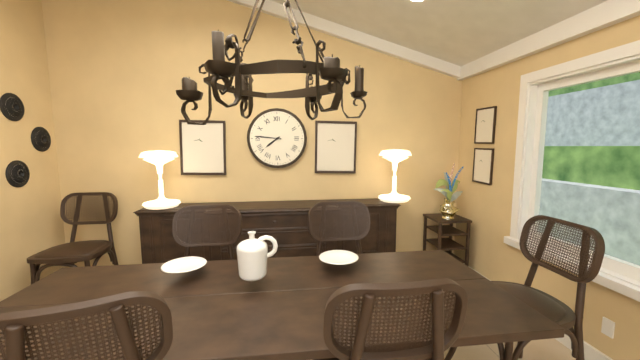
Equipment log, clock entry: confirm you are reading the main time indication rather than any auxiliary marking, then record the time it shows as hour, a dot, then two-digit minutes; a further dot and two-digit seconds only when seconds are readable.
7.46
